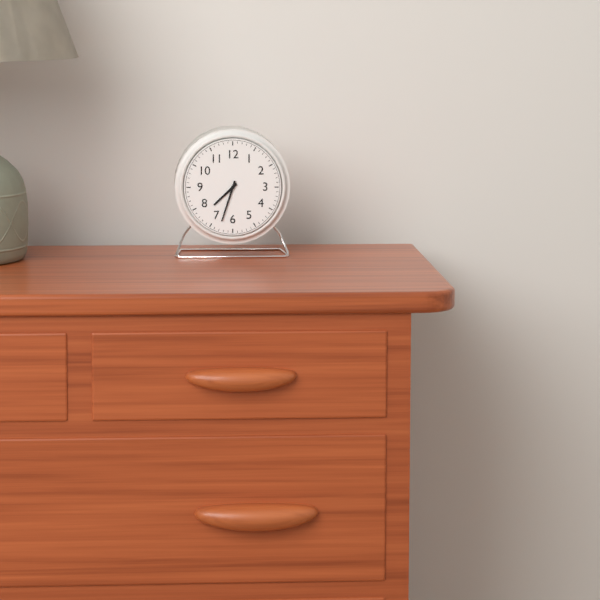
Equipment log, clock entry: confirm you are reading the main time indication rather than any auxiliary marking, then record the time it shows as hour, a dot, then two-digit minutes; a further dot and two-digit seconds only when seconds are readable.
7.33
